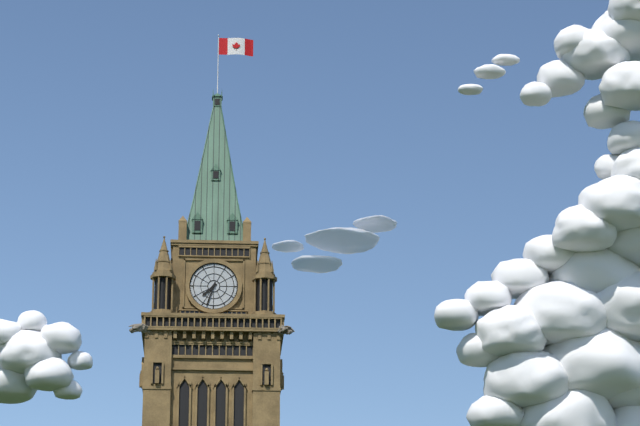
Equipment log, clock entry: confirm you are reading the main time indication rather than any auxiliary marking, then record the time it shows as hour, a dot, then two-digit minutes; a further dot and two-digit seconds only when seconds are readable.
7.33
